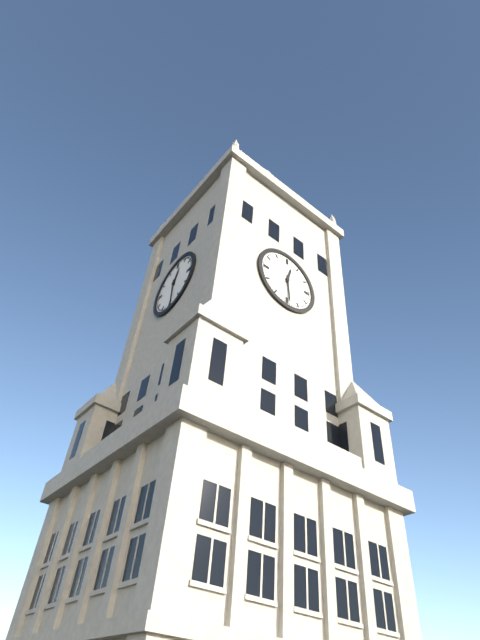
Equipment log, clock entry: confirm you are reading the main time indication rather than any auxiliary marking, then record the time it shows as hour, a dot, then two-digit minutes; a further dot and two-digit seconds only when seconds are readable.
12.29
